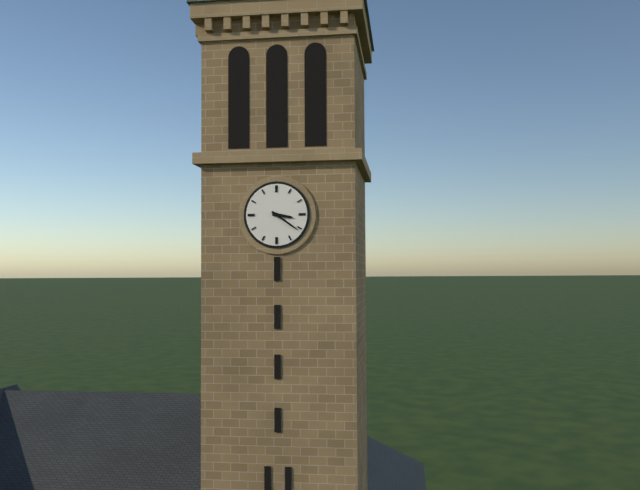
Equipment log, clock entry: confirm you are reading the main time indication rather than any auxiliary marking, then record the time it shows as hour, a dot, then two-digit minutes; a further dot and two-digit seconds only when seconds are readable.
3.21
